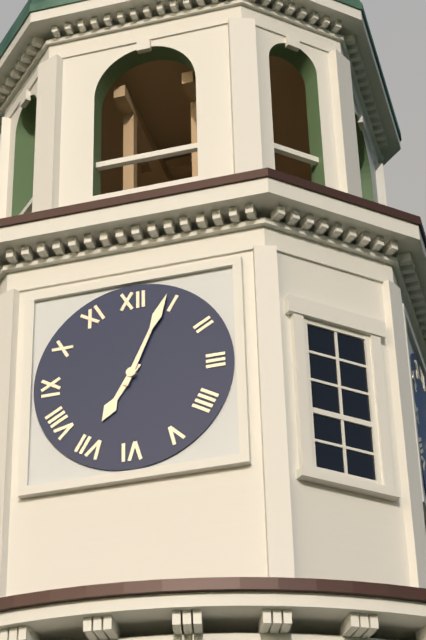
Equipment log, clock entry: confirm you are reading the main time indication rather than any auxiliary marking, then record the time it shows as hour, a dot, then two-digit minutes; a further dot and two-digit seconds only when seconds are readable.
7.04
